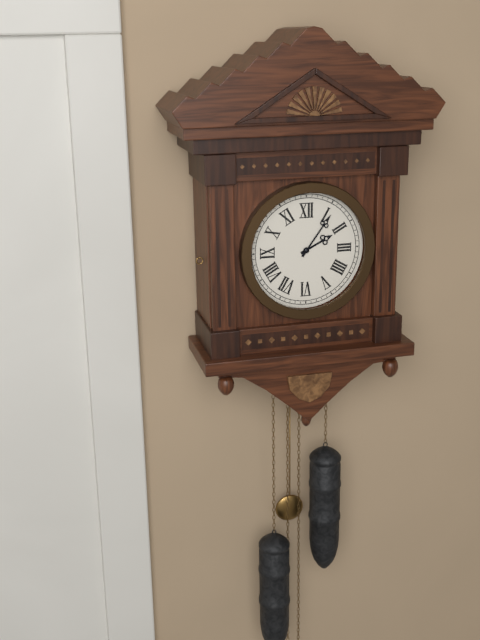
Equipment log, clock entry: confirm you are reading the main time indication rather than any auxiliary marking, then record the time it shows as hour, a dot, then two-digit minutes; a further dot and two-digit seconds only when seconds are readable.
2.06
